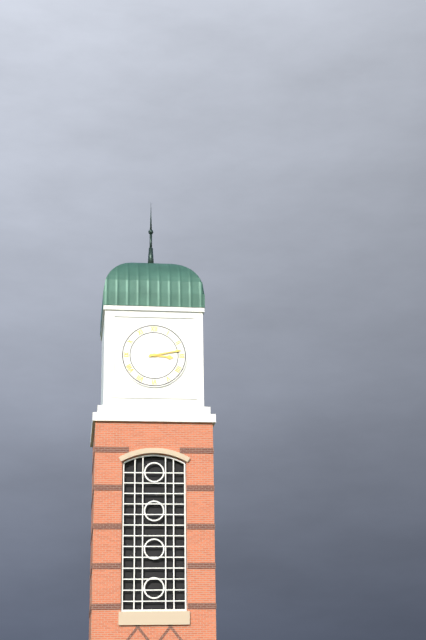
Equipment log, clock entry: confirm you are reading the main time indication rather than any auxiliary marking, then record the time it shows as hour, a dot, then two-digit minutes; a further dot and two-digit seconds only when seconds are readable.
3.13
